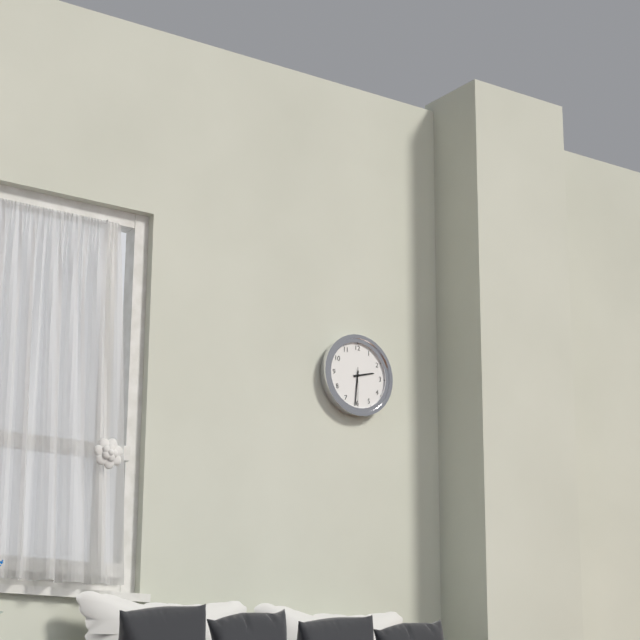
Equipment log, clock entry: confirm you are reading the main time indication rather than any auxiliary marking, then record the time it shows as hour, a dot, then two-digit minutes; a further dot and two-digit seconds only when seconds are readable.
2.31
